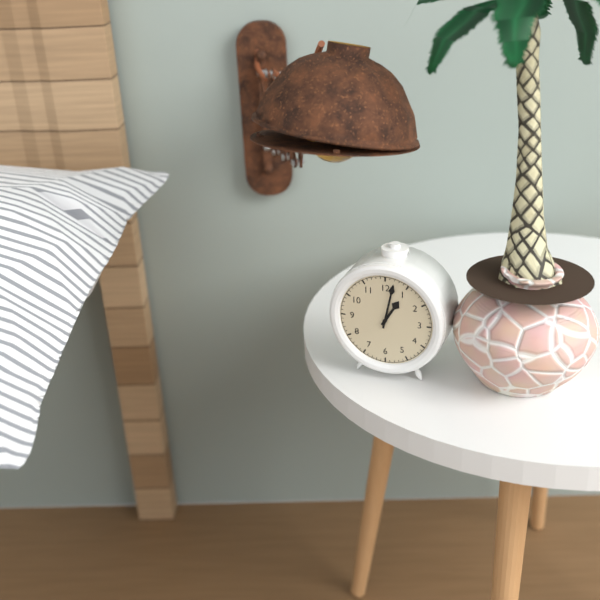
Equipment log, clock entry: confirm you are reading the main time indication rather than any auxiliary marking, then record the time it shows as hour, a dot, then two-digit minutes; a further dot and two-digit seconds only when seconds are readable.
1.02
